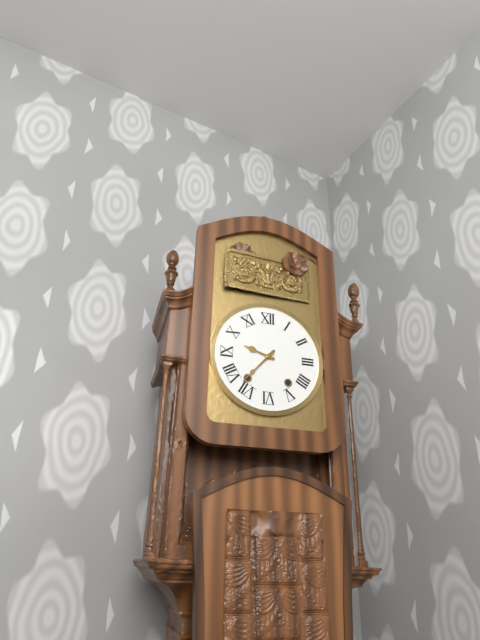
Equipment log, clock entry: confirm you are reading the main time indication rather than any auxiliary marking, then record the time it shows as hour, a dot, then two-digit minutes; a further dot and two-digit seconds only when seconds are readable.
9.37
